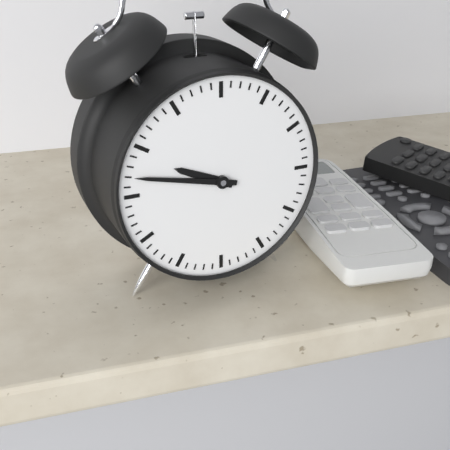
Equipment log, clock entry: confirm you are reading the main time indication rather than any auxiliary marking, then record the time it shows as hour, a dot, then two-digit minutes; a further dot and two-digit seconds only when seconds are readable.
9.47
